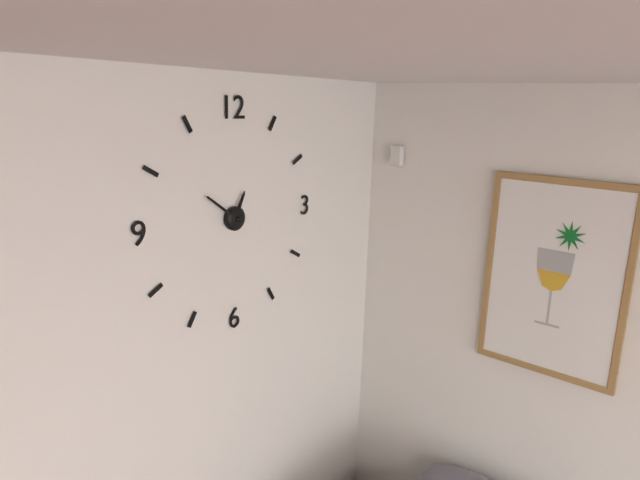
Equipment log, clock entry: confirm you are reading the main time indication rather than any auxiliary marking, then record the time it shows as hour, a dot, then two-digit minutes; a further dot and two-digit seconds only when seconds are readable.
12.51
